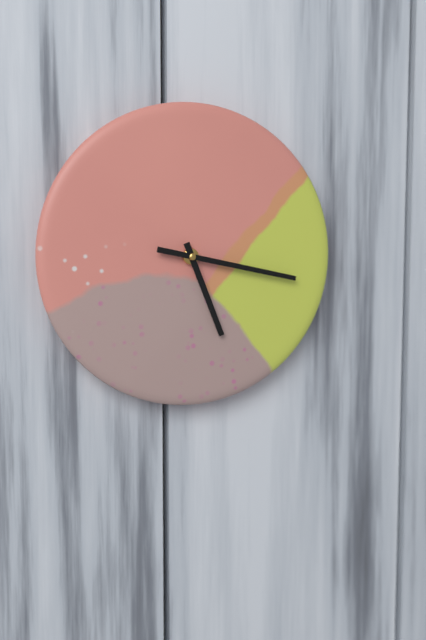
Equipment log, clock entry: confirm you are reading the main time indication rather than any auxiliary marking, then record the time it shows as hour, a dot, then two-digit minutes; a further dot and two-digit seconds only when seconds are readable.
5.17
